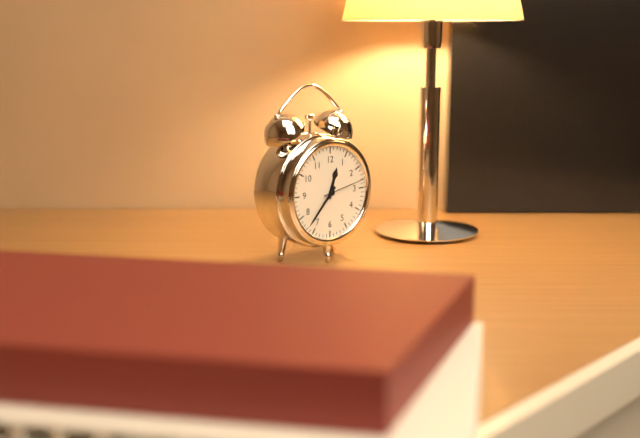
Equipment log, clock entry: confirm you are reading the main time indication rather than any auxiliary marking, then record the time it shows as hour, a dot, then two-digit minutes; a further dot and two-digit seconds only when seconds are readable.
12.37
